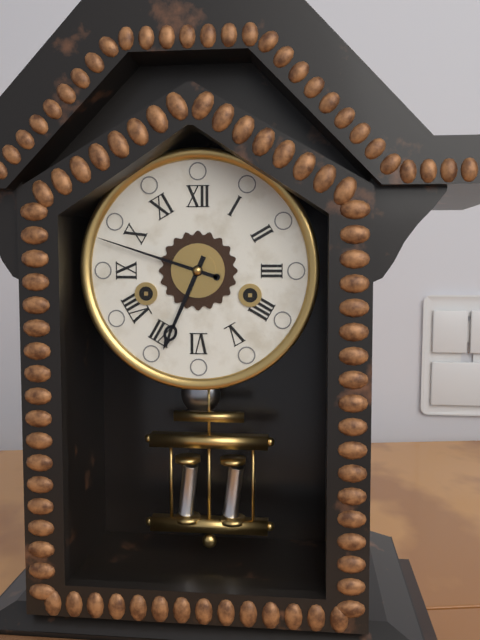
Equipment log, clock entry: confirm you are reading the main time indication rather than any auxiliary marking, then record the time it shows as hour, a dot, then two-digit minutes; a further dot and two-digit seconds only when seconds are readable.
6.48
